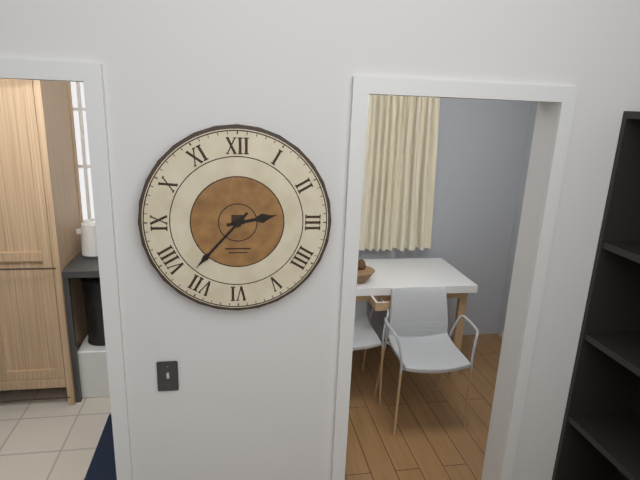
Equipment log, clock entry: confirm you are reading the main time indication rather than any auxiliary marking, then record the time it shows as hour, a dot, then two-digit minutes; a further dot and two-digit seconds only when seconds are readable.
2.37
